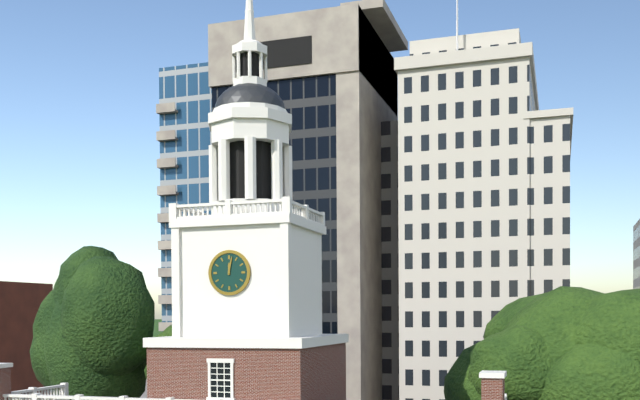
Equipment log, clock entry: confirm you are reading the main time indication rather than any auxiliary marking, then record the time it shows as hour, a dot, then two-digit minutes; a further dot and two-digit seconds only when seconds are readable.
12.02
